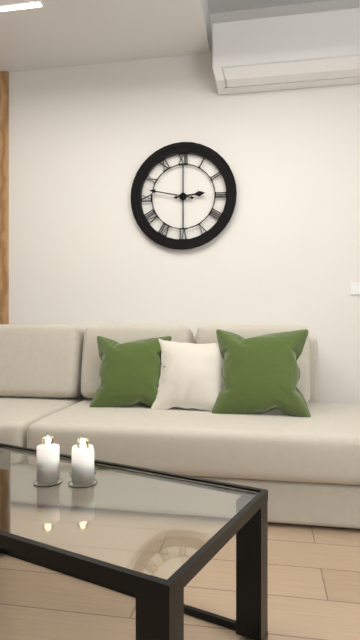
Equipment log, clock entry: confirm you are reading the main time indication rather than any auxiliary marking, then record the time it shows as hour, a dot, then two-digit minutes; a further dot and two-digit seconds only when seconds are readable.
2.47
